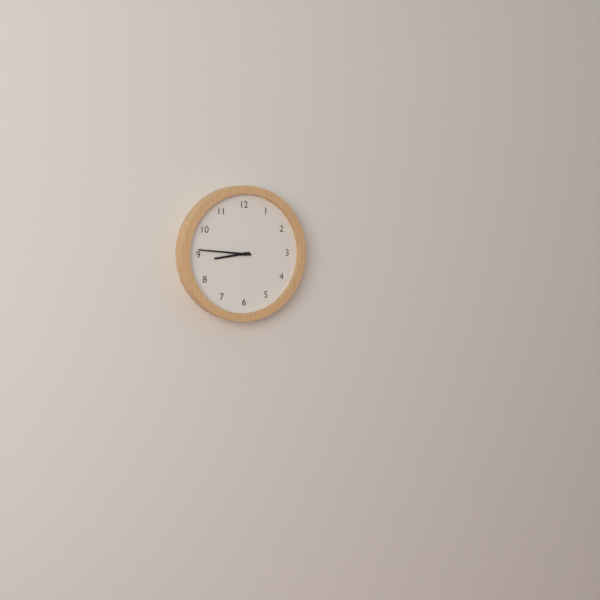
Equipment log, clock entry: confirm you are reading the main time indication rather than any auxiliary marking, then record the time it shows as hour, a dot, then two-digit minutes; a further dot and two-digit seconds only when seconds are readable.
8.46
